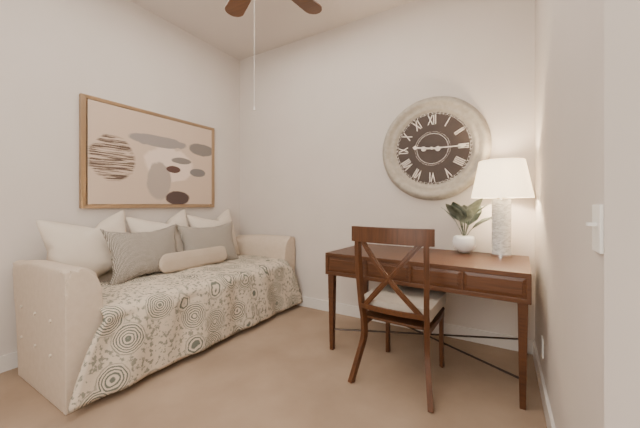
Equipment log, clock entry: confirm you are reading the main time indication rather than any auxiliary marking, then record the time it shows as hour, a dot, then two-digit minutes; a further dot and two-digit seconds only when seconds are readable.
9.15
